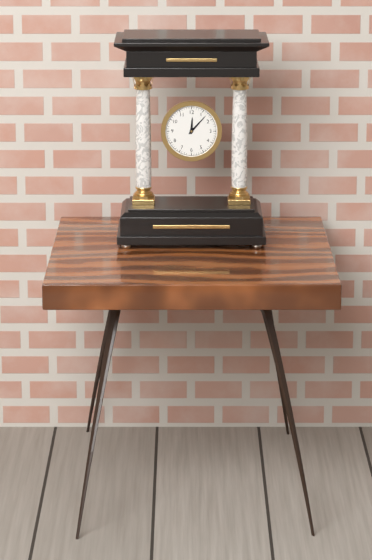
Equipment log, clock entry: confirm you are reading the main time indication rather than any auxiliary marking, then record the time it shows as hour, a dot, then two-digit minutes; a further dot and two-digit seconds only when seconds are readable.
12.07
